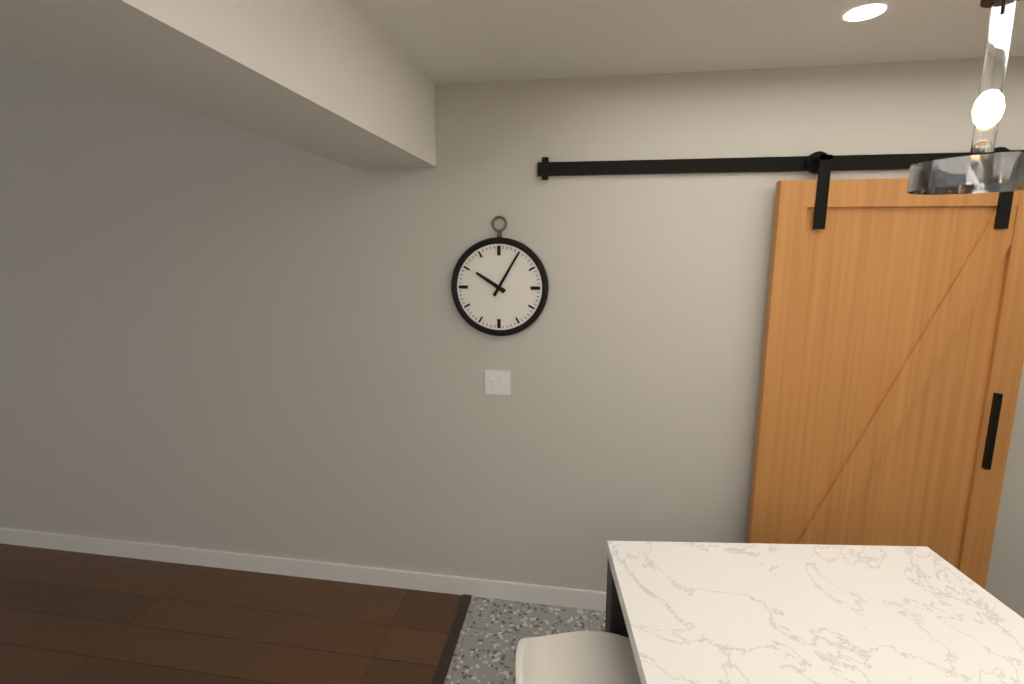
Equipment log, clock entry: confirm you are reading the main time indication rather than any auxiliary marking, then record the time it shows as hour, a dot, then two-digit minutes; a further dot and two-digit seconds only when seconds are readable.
10.05
